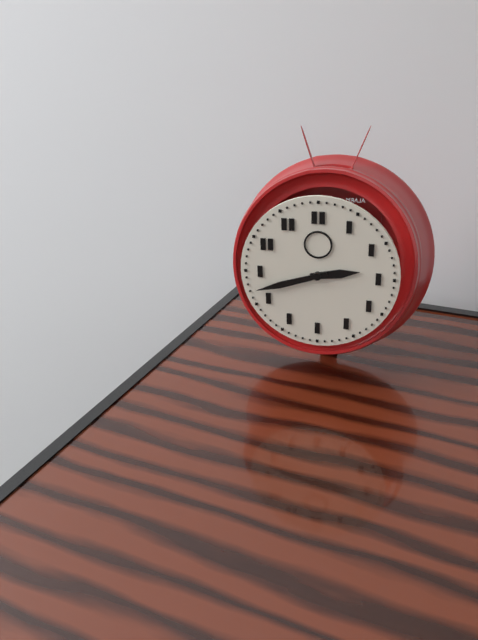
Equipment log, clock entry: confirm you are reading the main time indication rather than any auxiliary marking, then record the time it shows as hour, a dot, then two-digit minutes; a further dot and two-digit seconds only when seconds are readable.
2.42
